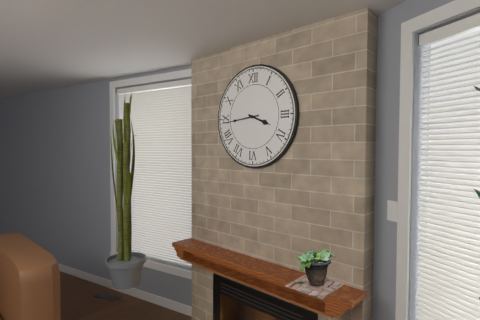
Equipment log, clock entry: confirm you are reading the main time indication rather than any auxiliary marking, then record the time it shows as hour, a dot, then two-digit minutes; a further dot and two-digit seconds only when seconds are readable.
3.44
